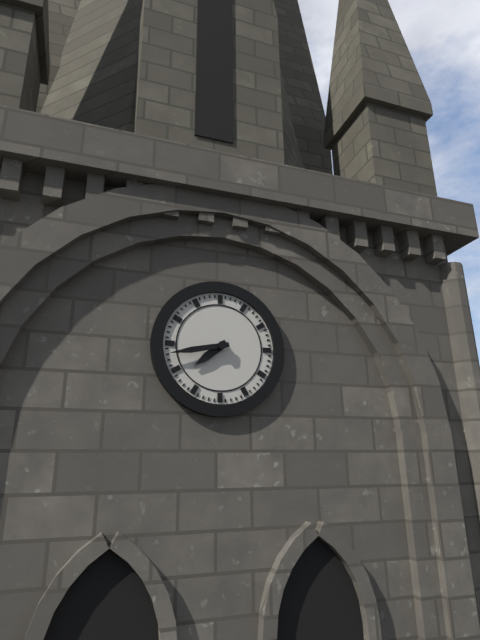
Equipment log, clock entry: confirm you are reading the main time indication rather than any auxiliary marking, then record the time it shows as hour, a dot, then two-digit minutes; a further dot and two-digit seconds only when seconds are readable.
7.43
